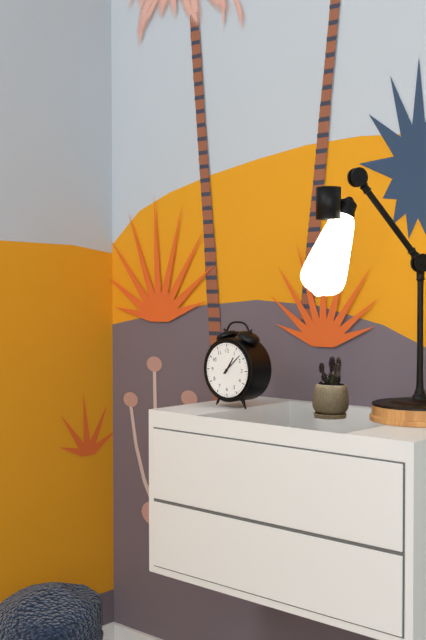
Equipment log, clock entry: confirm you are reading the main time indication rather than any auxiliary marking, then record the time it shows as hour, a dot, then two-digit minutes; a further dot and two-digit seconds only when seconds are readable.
1.08
